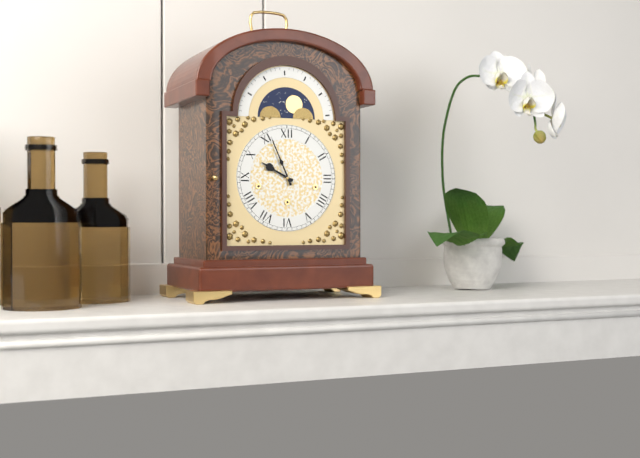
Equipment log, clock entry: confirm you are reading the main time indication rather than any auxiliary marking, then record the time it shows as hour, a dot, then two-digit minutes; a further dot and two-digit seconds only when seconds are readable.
9.56
